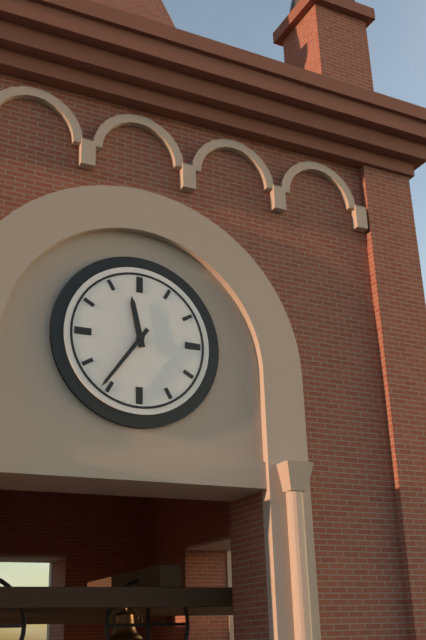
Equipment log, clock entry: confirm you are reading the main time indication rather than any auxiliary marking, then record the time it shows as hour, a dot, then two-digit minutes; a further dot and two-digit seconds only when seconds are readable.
11.36
